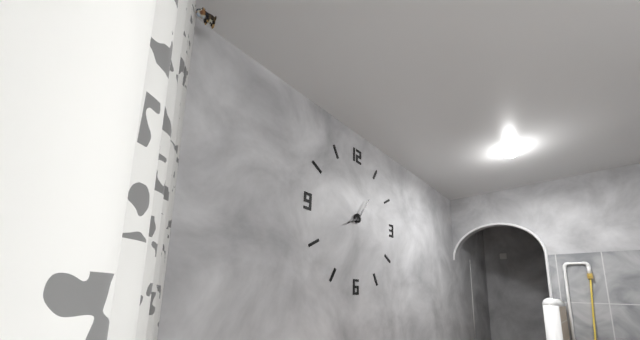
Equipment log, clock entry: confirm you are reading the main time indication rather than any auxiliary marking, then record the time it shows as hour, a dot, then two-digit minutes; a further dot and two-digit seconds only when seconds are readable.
8.06
